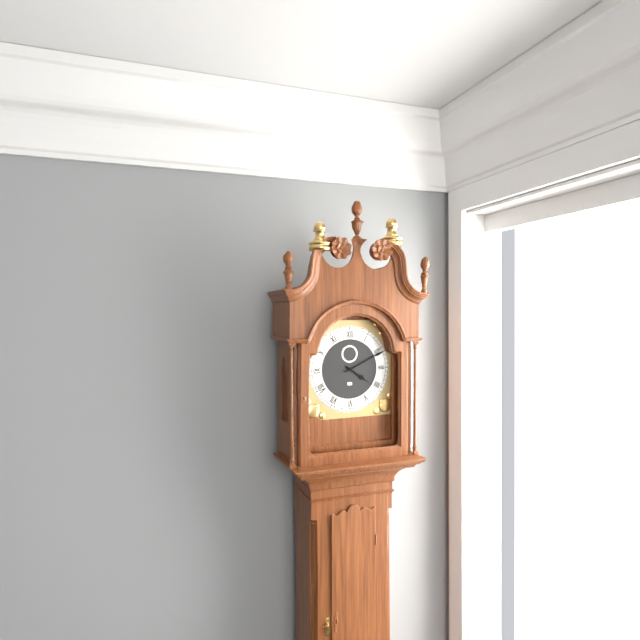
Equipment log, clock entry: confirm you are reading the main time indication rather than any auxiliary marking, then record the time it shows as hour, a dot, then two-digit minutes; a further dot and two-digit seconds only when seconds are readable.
4.11
